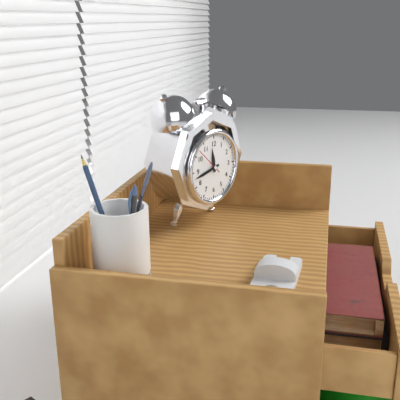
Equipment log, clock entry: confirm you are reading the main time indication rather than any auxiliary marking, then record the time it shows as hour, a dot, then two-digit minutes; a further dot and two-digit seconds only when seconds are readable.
11.43
